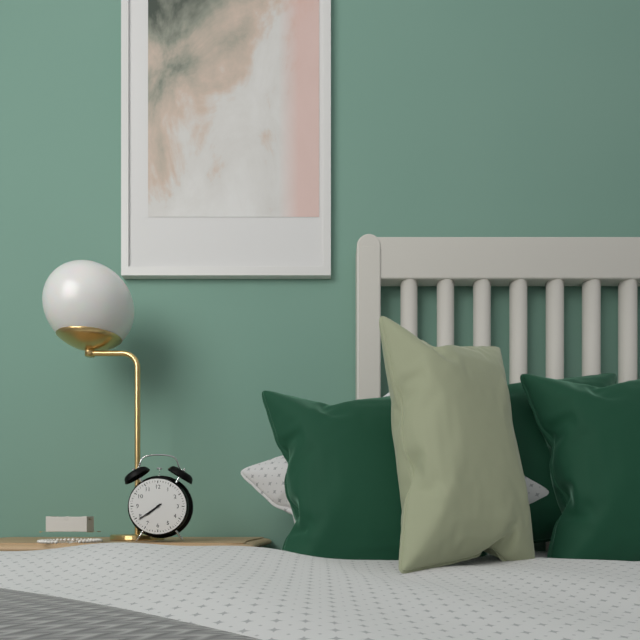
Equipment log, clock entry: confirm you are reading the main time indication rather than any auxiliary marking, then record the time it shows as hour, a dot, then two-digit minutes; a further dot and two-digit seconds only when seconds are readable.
7.39
